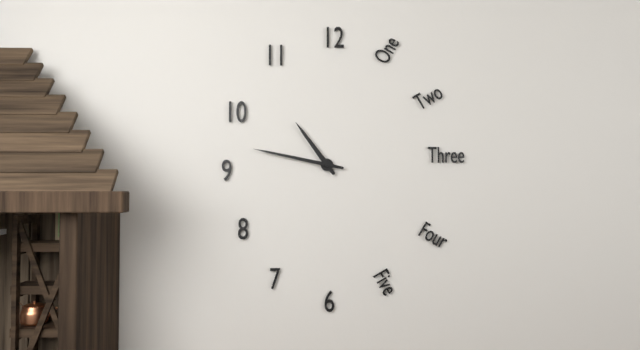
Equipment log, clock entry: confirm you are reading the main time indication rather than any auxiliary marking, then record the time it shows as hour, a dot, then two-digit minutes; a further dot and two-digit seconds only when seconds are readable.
10.47
